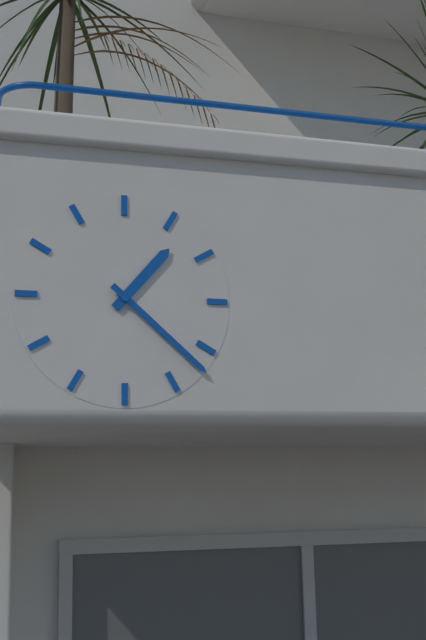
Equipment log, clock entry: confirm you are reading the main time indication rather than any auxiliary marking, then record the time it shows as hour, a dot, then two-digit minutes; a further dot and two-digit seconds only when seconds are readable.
1.22
